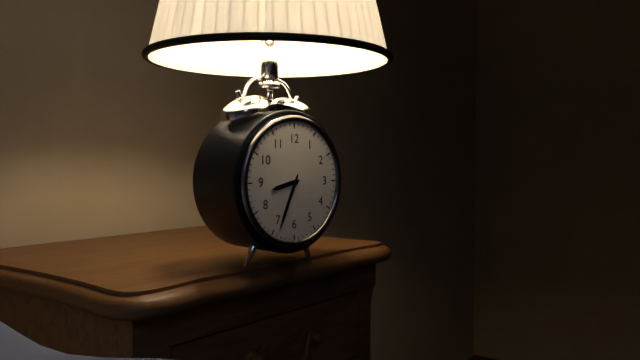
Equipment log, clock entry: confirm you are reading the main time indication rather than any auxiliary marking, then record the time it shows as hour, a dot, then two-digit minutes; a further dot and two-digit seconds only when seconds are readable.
8.34
